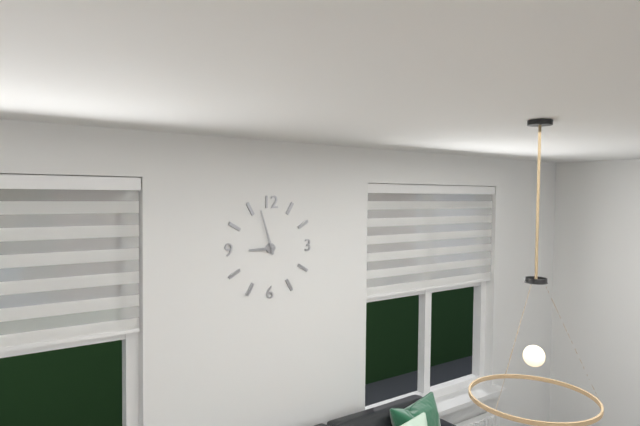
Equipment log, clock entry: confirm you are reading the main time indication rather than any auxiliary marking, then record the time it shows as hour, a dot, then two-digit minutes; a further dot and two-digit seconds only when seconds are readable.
8.57
